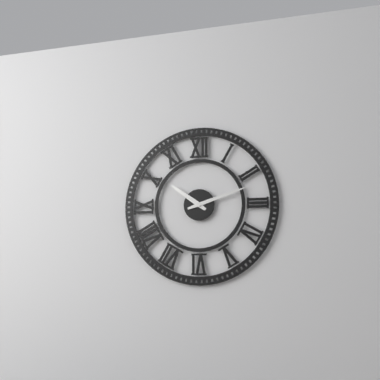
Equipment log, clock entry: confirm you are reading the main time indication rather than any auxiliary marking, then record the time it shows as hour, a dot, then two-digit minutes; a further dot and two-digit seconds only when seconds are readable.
10.12
